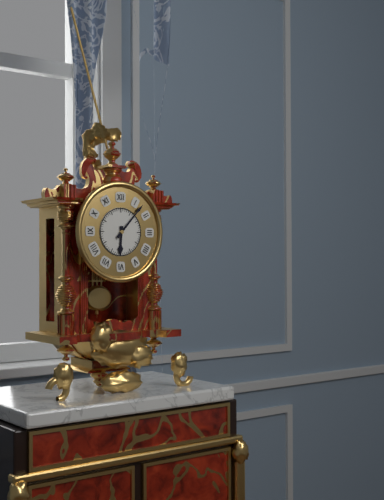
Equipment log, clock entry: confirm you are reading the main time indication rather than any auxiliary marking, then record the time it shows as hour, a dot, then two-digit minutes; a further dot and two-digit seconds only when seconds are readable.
6.07
